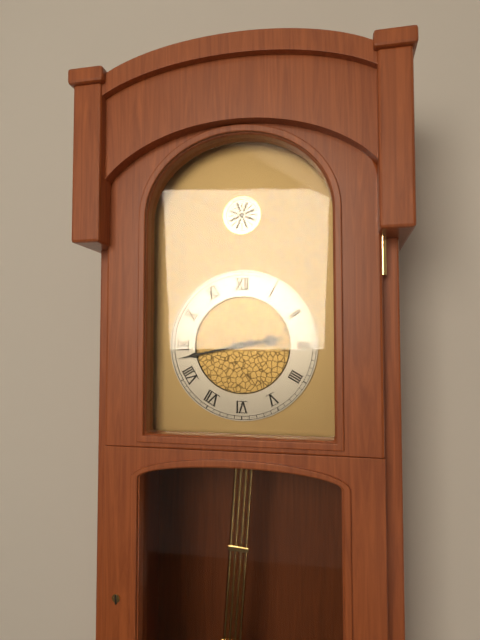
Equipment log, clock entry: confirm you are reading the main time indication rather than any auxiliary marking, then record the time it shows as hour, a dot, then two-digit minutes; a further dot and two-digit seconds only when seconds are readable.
2.43
